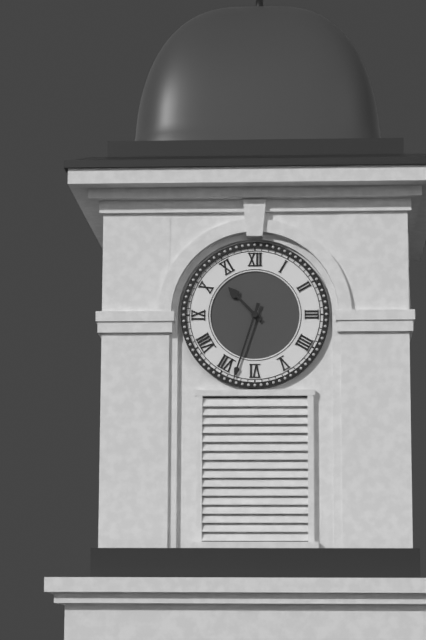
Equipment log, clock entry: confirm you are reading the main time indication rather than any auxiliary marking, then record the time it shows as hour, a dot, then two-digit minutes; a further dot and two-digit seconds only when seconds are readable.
10.33
